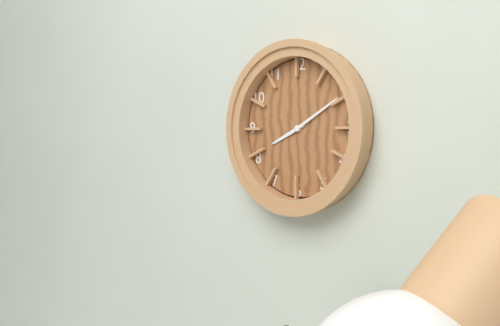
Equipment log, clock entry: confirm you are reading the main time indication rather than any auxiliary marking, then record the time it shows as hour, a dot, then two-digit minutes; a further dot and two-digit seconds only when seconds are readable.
8.10
